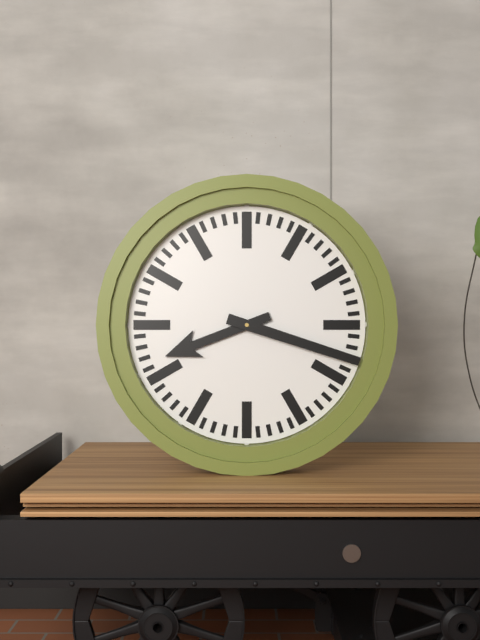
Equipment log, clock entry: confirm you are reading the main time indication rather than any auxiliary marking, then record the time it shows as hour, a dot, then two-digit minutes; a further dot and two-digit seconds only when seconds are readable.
8.18
